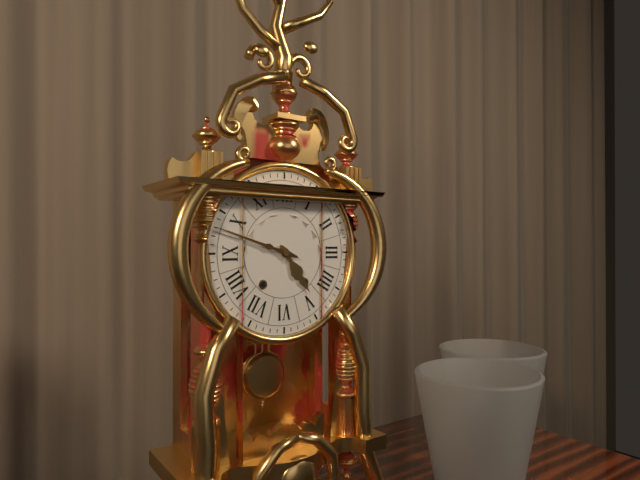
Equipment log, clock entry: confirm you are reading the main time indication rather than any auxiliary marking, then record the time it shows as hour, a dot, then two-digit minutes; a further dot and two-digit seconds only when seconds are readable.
4.48
